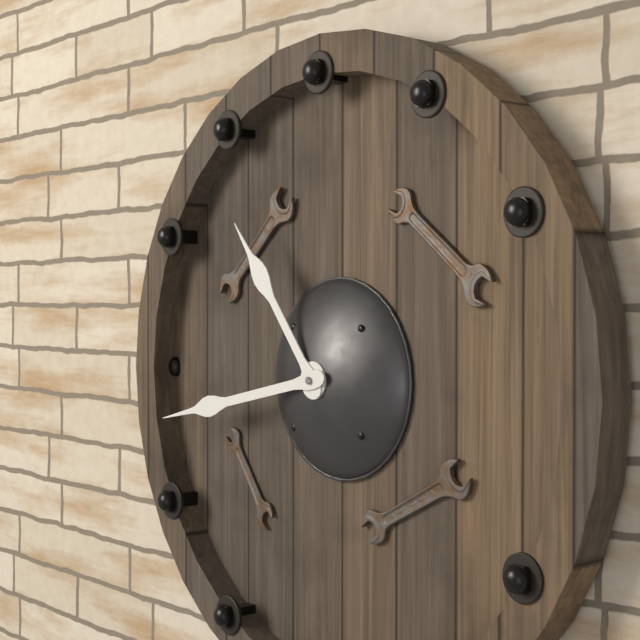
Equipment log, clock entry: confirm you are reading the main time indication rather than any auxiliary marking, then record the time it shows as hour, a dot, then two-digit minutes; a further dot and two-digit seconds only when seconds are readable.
10.43
